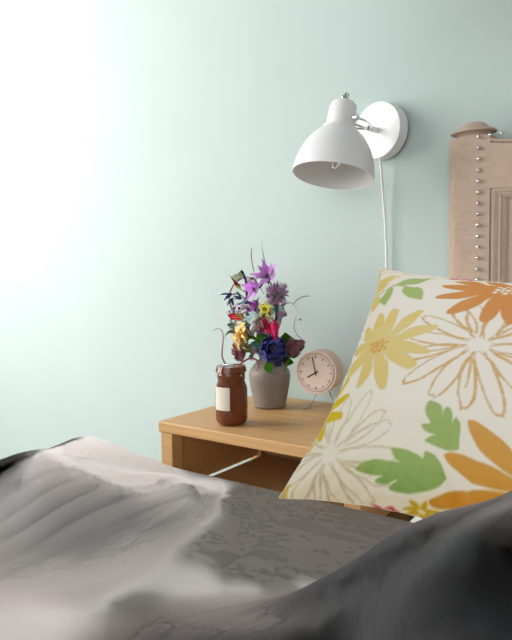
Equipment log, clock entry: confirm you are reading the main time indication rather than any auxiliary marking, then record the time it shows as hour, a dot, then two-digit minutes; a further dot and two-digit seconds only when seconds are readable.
7.58
